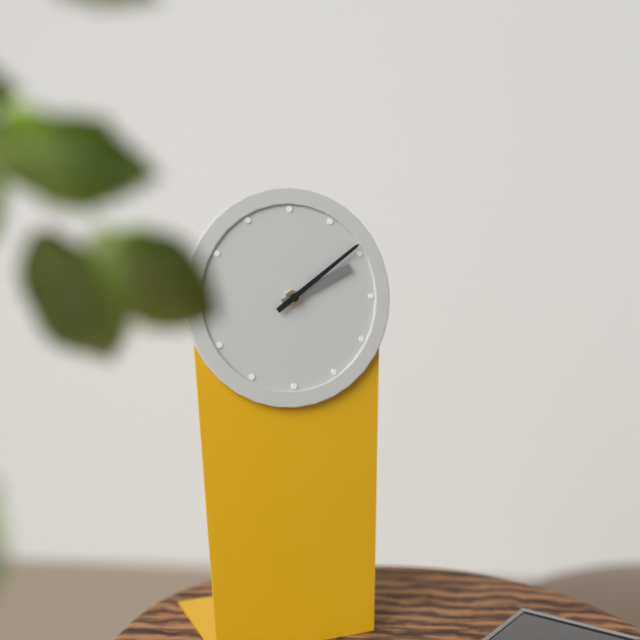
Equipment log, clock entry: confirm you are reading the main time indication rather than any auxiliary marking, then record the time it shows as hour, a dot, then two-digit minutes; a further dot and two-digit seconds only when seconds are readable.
2.09
